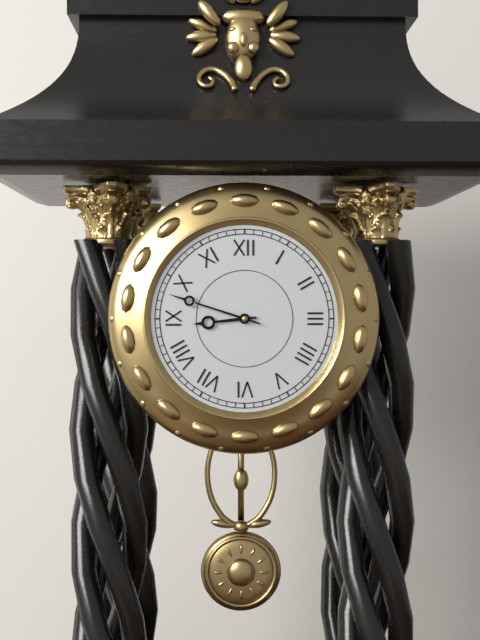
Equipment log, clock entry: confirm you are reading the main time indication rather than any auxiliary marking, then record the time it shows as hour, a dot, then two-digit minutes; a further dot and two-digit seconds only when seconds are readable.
8.48
